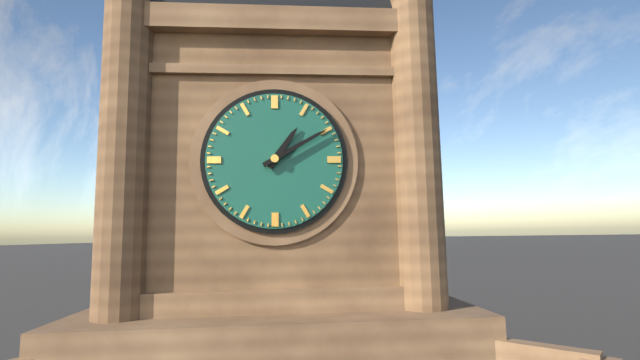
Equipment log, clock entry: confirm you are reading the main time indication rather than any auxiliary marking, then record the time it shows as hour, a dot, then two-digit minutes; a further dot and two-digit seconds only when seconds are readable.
1.10
